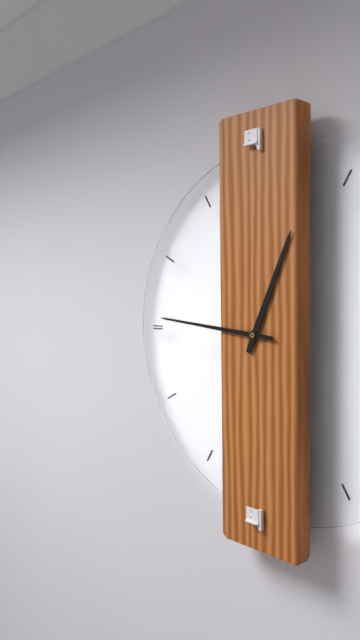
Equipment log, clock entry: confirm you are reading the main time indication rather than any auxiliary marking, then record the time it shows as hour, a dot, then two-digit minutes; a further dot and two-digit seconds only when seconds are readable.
12.46
